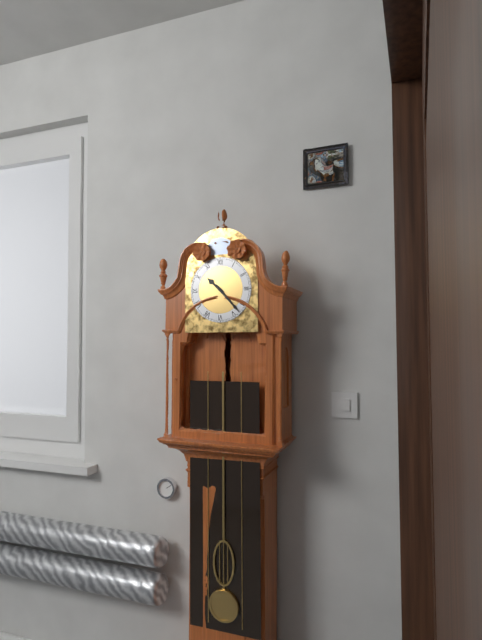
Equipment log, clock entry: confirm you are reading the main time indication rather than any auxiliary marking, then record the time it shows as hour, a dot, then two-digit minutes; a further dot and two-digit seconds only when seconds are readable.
10.23
